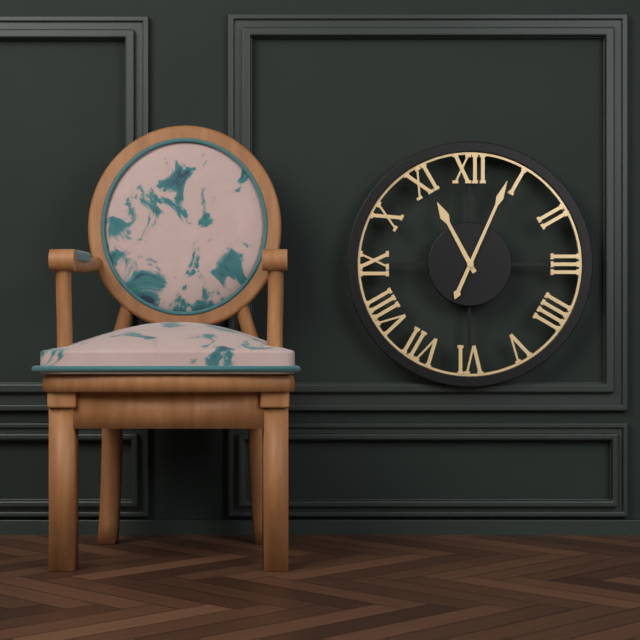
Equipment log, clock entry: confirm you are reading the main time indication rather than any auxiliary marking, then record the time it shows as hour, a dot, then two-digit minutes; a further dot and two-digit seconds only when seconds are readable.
11.04
